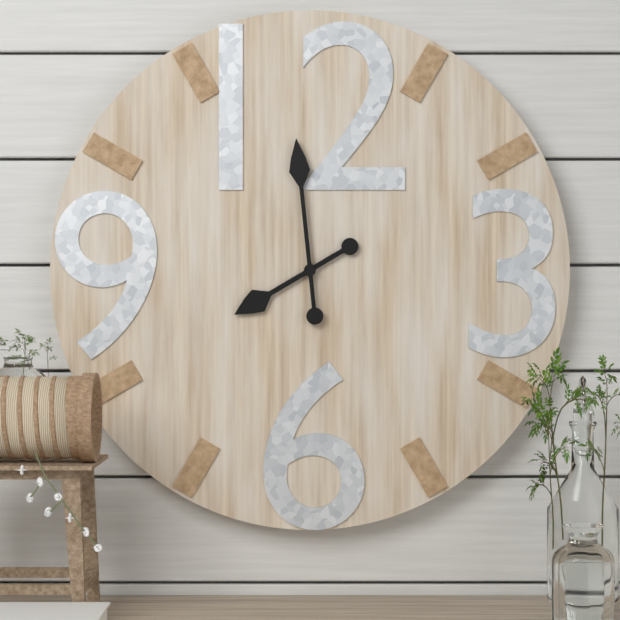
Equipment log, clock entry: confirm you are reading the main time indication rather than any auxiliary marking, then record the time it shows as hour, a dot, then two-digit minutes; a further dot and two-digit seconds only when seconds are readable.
7.59
